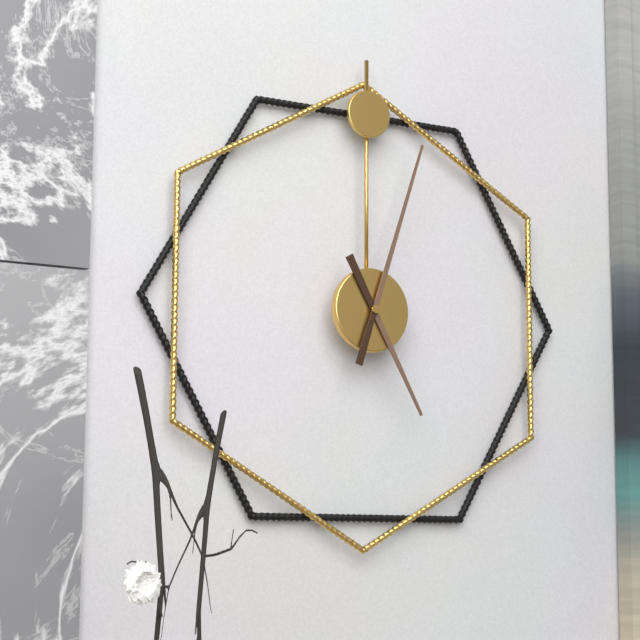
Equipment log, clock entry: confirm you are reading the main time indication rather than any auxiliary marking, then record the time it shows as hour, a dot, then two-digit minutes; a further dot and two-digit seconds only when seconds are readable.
5.03
